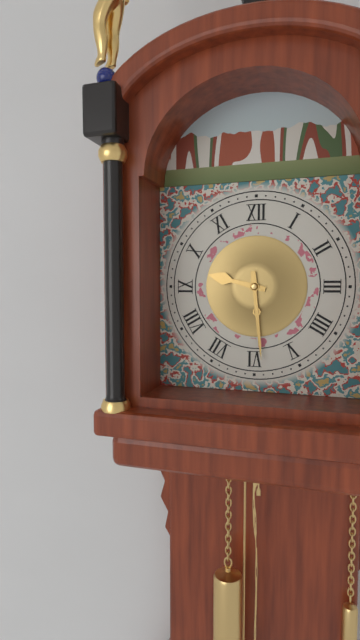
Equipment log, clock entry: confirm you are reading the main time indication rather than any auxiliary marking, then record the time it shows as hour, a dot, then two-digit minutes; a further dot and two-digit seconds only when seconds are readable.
9.29
